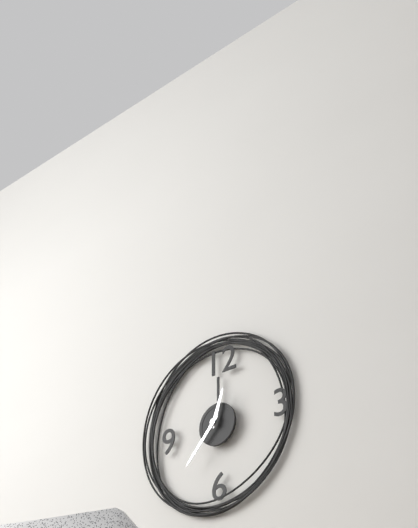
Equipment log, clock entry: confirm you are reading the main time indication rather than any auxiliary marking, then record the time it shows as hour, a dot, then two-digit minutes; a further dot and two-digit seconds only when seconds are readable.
12.37
